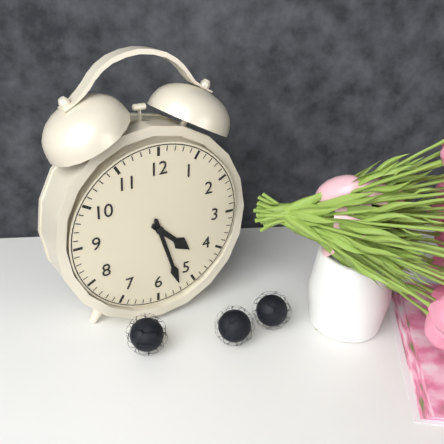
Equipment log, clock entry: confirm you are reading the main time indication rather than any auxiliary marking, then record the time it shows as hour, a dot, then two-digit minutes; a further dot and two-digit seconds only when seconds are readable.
4.27
